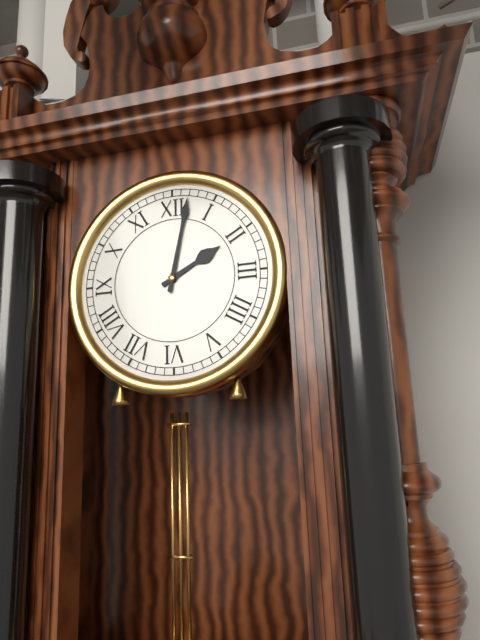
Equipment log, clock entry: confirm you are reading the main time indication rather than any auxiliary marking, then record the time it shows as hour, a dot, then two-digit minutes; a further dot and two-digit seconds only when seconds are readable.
2.02
